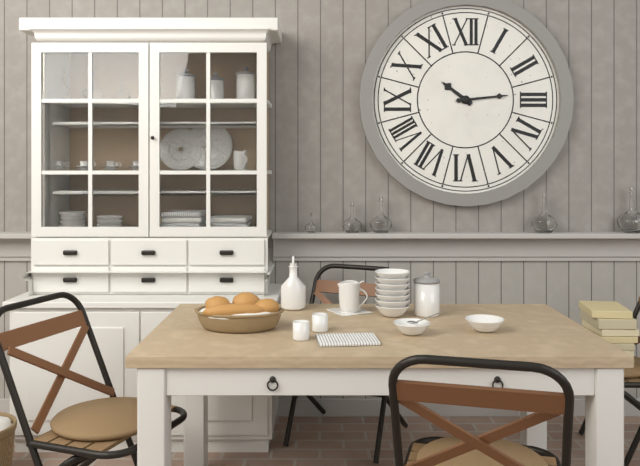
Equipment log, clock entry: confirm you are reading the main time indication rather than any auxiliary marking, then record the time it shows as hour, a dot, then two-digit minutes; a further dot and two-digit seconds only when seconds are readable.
10.14
